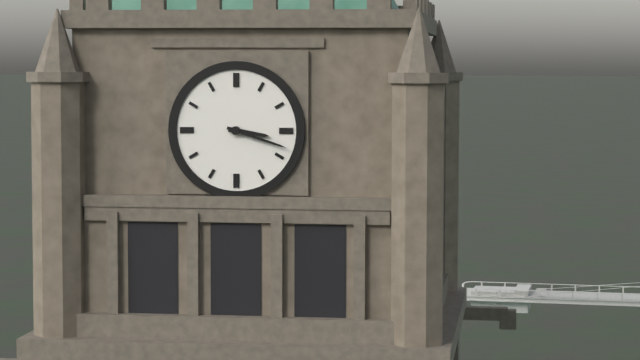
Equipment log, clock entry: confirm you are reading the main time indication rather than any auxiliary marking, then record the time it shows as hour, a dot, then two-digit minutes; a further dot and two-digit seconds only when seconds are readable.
3.18
